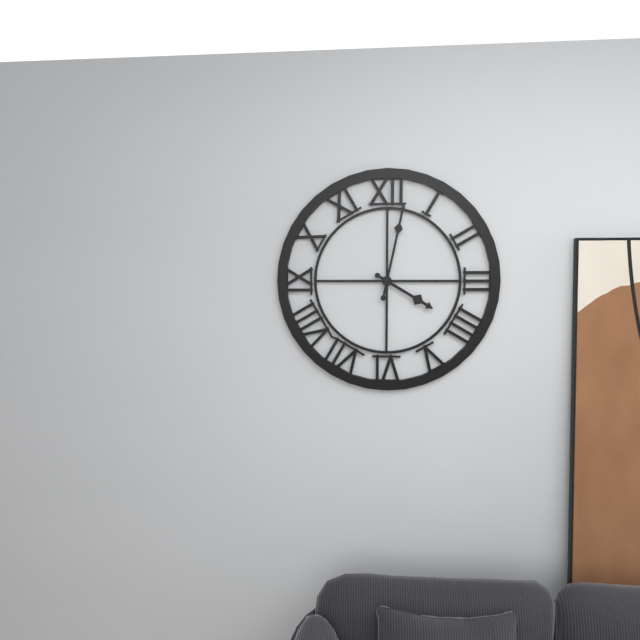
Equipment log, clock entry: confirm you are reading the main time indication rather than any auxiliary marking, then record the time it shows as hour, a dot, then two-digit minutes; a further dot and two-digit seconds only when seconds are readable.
4.02
